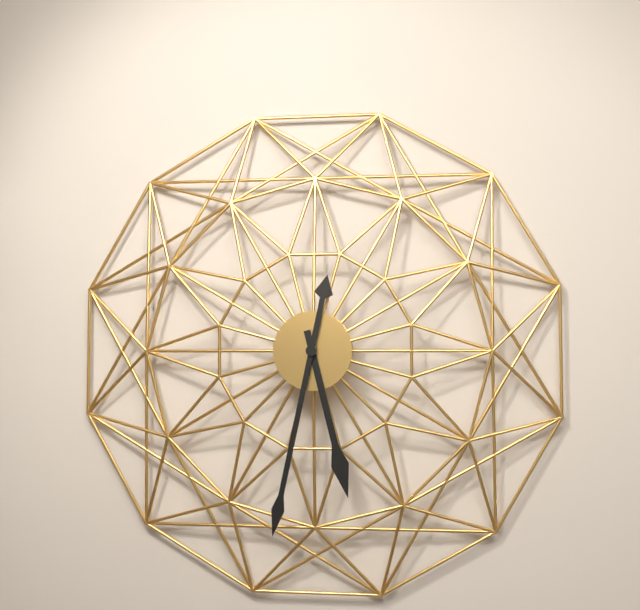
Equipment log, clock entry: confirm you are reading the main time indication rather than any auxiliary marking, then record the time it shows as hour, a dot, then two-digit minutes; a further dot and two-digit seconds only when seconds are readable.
5.32
